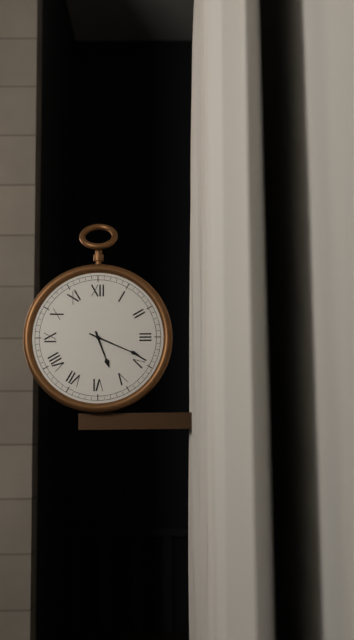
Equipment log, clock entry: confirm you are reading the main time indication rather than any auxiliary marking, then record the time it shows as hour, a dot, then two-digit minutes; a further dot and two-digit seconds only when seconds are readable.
5.19
